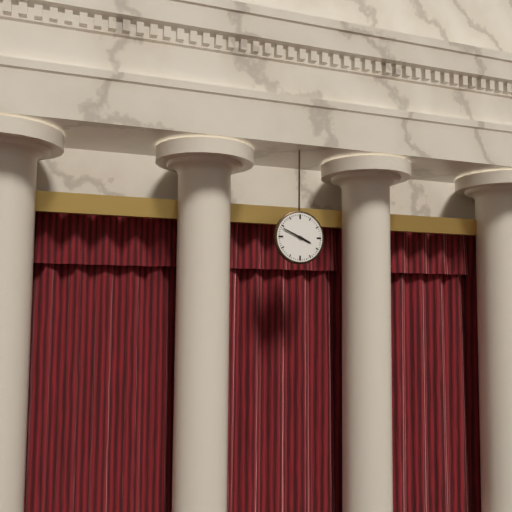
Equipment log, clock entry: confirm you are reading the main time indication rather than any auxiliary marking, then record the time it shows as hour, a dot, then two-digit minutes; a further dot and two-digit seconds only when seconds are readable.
3.49
